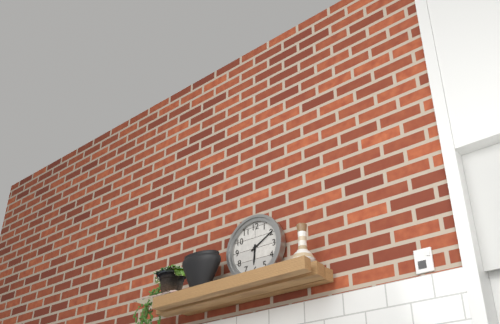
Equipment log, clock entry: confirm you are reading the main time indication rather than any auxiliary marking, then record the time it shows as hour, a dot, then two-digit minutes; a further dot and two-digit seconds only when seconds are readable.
6.10
